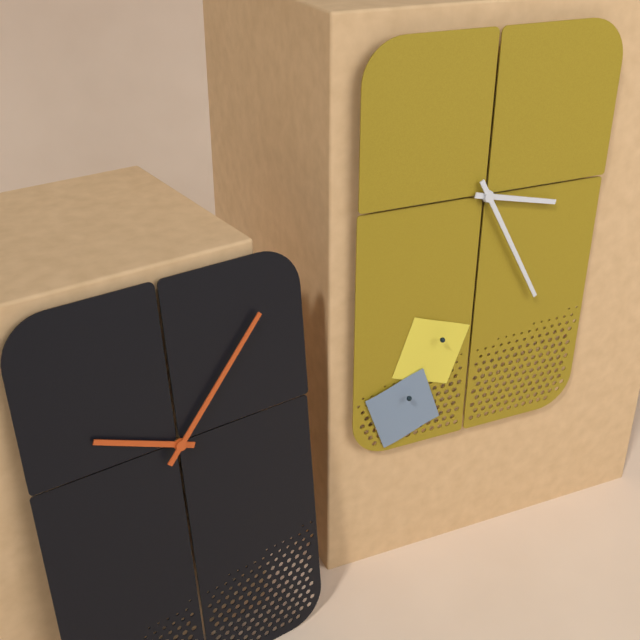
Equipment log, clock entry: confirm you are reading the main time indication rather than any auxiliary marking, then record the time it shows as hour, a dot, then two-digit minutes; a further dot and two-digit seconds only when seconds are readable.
3.25
